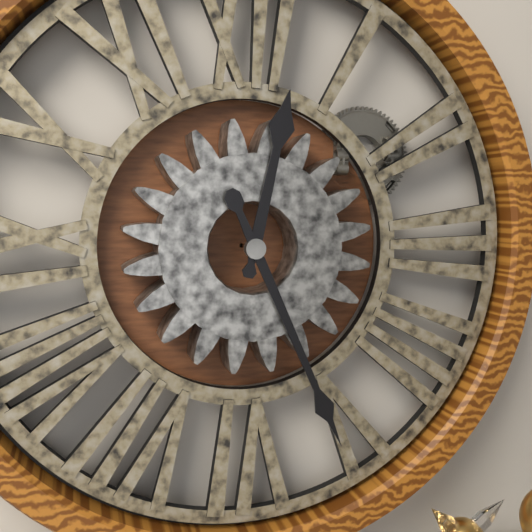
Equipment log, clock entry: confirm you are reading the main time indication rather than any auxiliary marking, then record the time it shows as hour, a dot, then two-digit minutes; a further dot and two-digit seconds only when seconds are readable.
12.26
